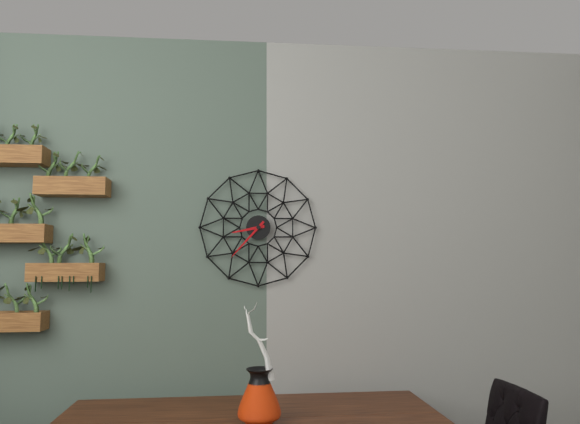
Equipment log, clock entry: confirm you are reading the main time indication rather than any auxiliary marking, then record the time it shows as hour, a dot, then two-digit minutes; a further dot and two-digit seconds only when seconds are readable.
8.37
